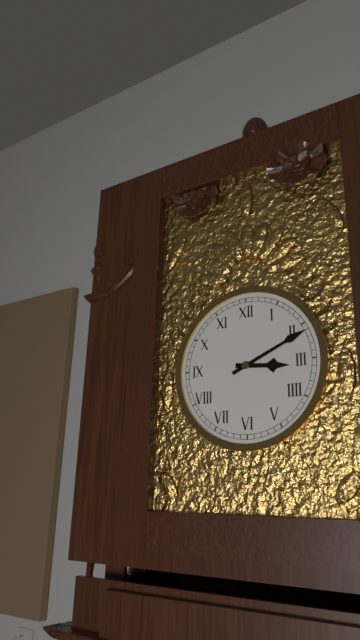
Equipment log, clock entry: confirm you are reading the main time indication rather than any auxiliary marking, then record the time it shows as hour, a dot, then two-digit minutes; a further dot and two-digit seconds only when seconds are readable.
3.11
